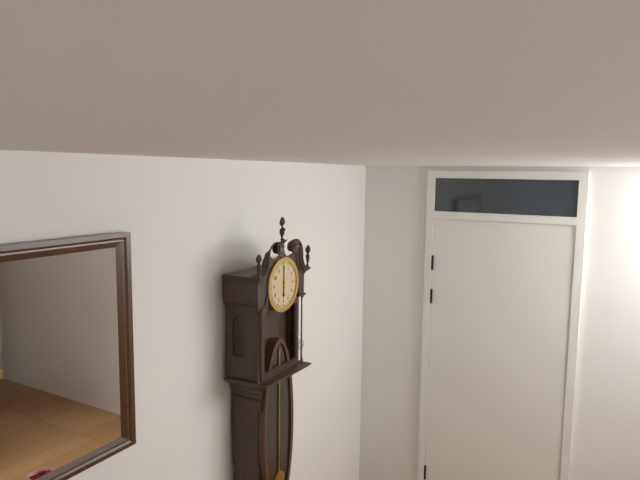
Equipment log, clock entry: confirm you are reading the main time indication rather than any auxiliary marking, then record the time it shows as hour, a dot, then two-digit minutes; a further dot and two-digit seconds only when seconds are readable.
6.00
